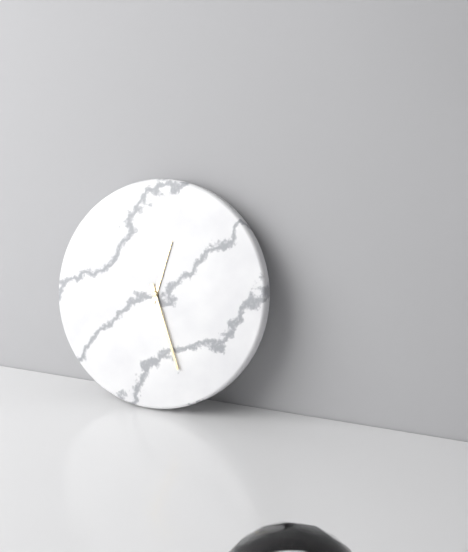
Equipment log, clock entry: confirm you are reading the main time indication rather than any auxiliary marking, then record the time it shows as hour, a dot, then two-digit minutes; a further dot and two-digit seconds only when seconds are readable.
12.26
